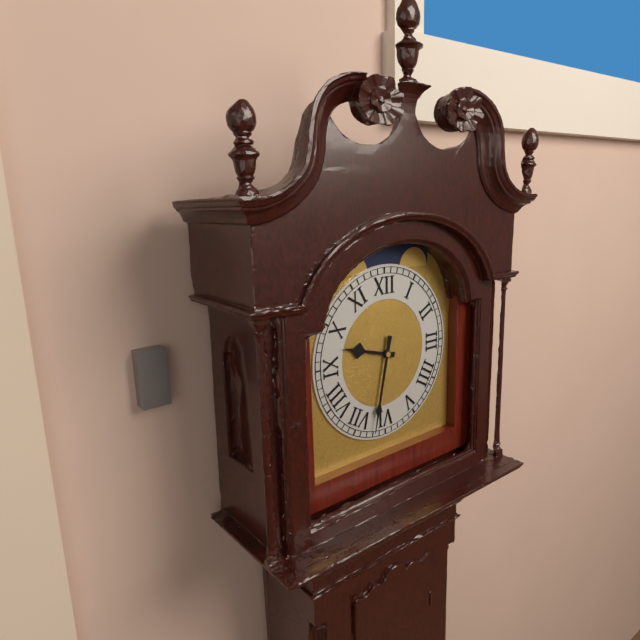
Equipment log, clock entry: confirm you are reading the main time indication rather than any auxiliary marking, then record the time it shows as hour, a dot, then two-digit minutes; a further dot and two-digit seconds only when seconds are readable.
9.32
